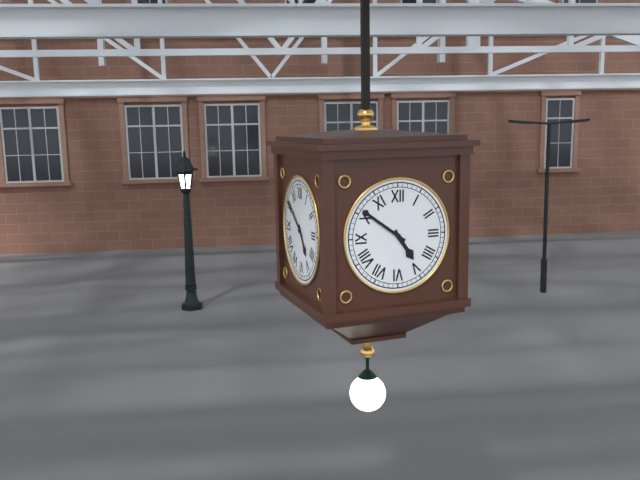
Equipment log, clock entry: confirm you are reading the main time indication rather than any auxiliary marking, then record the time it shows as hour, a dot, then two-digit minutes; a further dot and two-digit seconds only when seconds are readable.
4.51
